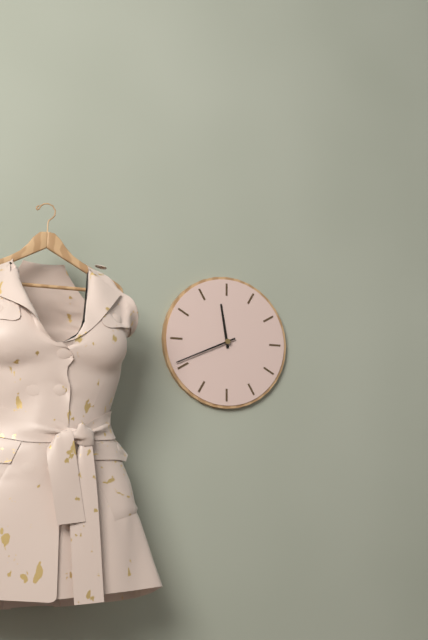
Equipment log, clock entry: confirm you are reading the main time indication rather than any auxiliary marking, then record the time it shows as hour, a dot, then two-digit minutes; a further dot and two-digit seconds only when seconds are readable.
11.41
